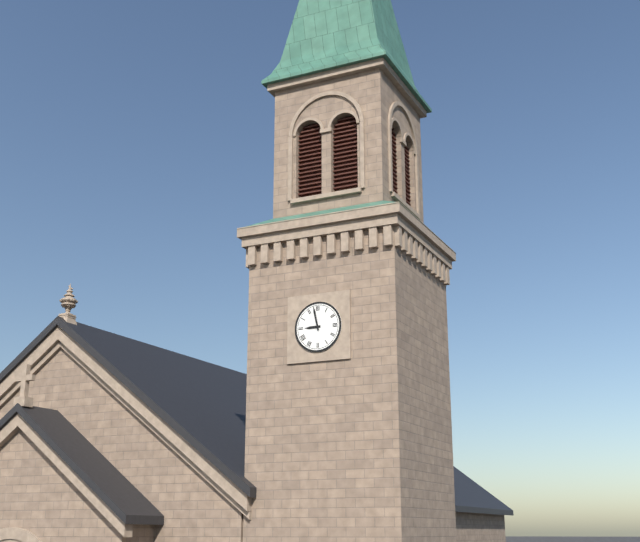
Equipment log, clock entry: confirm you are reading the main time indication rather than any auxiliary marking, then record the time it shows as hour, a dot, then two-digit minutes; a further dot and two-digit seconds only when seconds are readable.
8.58
